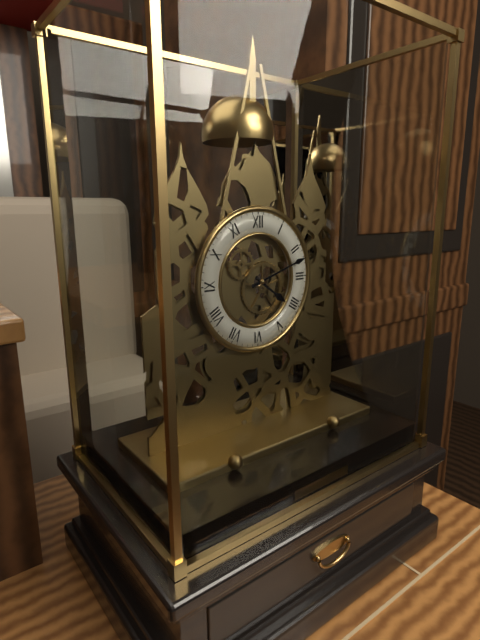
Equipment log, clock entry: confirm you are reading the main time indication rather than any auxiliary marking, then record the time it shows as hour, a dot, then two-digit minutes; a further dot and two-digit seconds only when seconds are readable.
4.12
